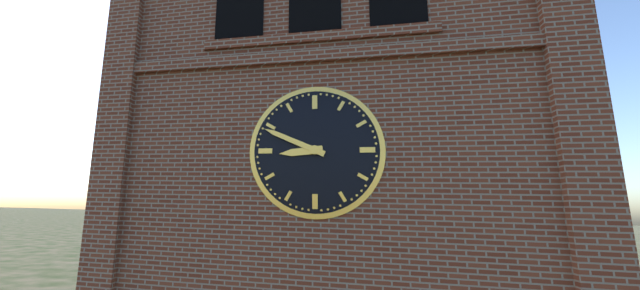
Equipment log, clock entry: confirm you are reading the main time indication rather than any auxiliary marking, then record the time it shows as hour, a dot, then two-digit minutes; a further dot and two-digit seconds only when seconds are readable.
8.49
